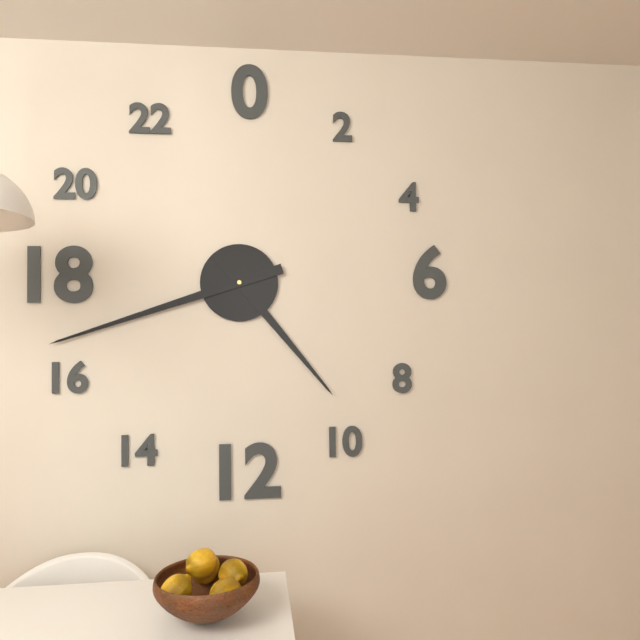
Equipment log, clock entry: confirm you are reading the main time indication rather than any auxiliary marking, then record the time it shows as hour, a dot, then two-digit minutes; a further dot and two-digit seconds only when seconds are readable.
4.42
